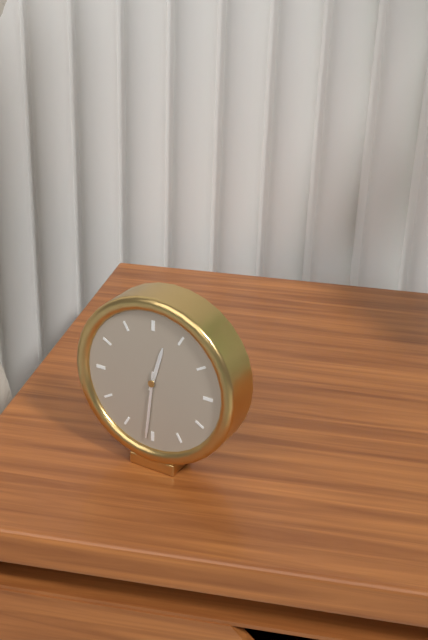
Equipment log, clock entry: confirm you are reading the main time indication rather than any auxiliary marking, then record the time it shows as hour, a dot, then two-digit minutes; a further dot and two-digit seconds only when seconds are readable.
12.31
